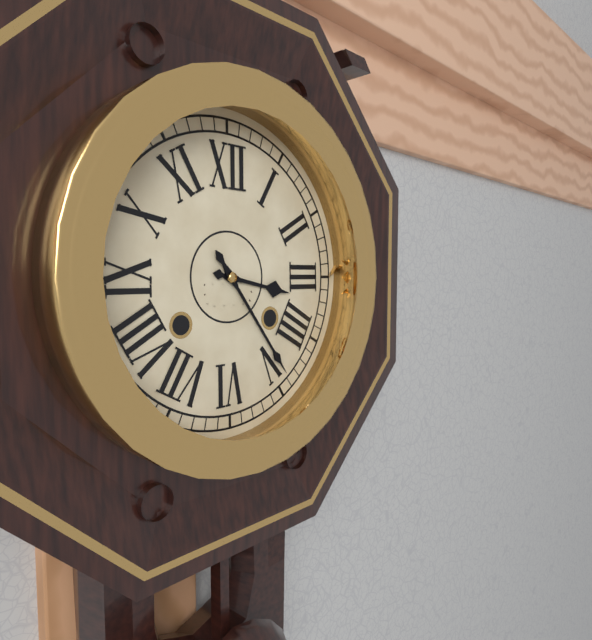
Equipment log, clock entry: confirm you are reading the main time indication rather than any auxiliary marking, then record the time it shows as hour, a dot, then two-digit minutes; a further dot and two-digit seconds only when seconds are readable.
3.24
